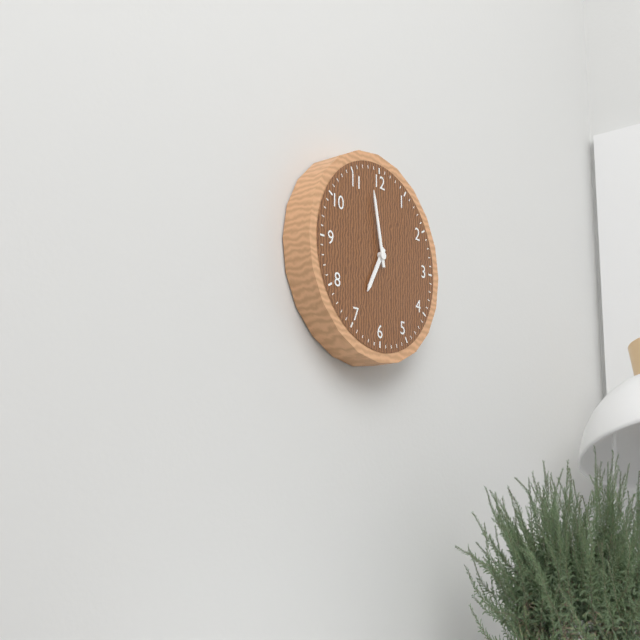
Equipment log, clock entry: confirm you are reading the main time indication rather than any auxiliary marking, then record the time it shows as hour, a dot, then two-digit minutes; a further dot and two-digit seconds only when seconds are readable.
6.58
